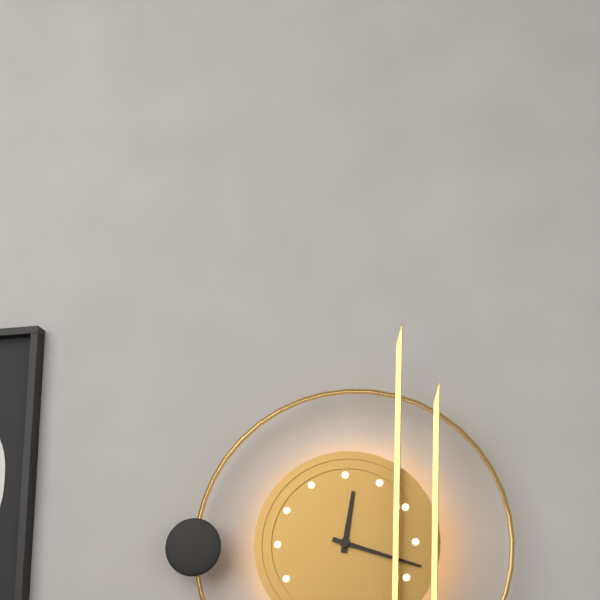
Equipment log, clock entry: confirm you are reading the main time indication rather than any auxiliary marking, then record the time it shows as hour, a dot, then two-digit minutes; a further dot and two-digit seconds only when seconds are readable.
12.18
